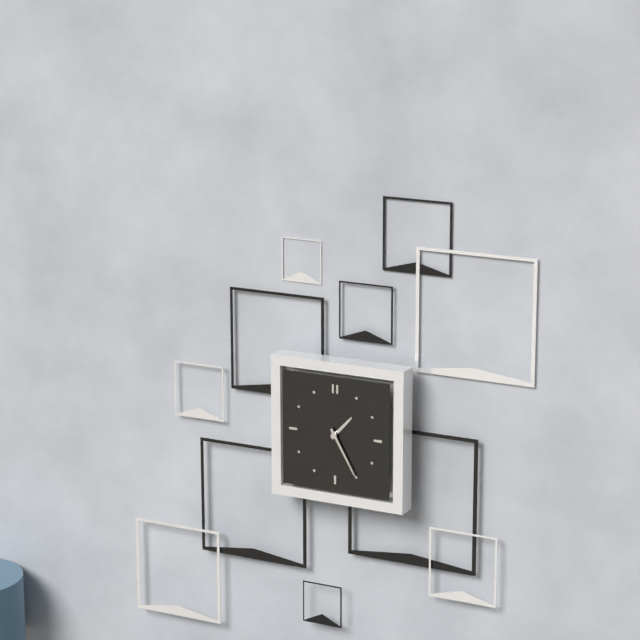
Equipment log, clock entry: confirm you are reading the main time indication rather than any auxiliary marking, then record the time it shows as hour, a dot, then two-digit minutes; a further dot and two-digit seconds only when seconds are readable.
1.25
